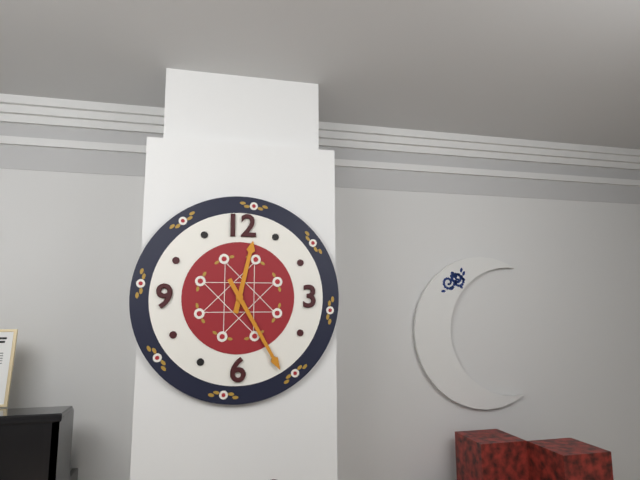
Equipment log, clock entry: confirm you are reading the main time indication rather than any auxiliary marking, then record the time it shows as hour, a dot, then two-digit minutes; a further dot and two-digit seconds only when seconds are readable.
12.25
